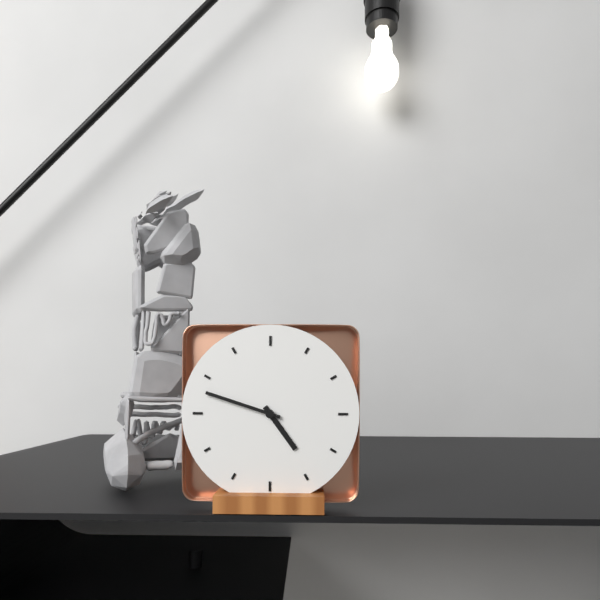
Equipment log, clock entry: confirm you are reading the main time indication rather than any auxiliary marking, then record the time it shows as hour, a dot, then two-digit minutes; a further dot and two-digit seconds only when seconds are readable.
4.48
